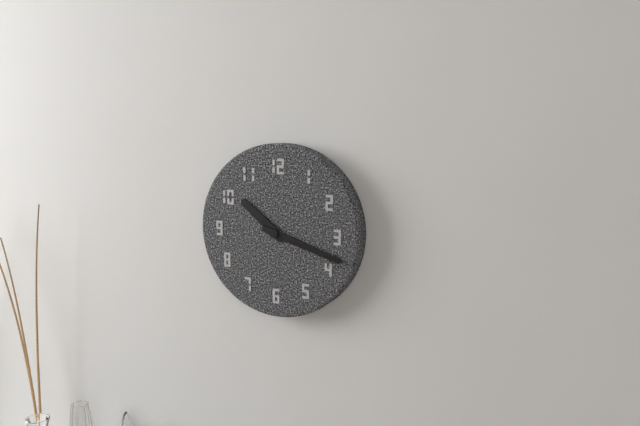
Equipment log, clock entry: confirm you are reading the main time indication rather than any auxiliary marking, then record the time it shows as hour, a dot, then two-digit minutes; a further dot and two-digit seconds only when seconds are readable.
10.18
